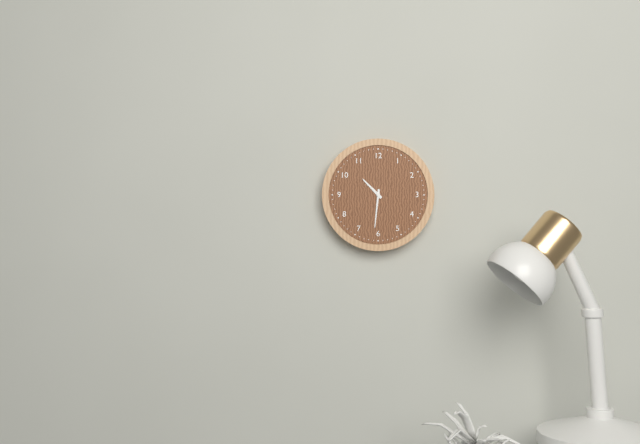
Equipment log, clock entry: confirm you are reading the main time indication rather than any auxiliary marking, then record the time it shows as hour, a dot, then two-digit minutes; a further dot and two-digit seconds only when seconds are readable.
10.31
